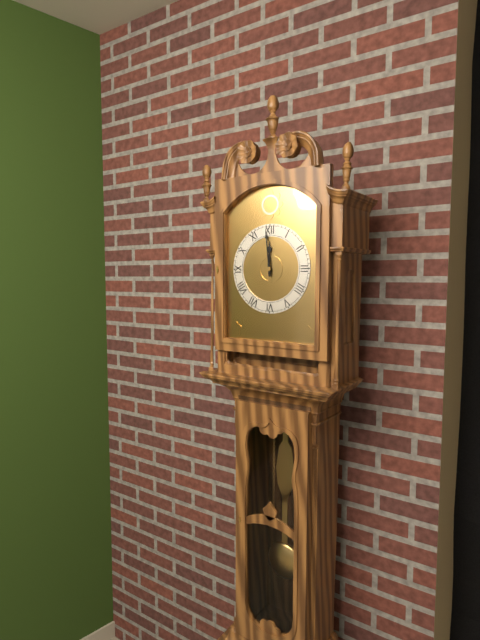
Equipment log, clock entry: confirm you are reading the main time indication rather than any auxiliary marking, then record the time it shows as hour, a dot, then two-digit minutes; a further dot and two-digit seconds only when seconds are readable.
11.59
